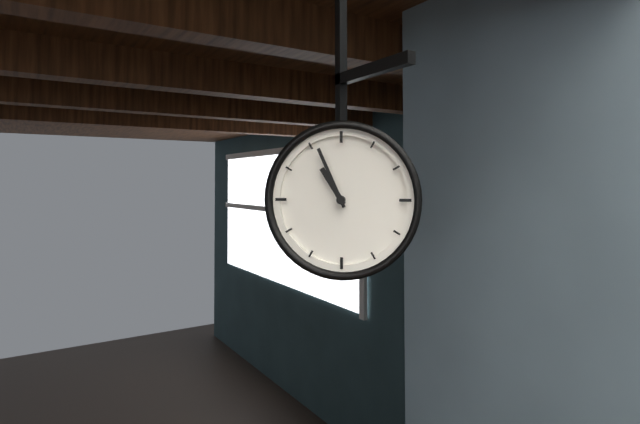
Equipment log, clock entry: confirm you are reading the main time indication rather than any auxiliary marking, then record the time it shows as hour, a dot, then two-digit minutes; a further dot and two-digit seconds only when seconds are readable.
10.56
